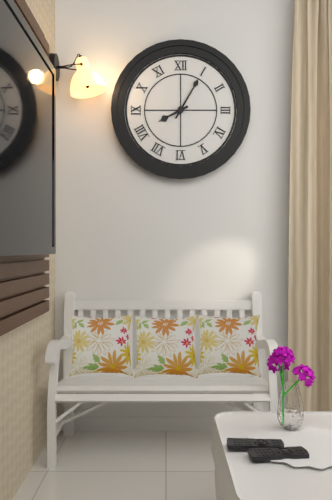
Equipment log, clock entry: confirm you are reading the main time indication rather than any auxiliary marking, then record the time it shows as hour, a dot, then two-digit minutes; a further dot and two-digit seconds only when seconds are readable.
8.05
